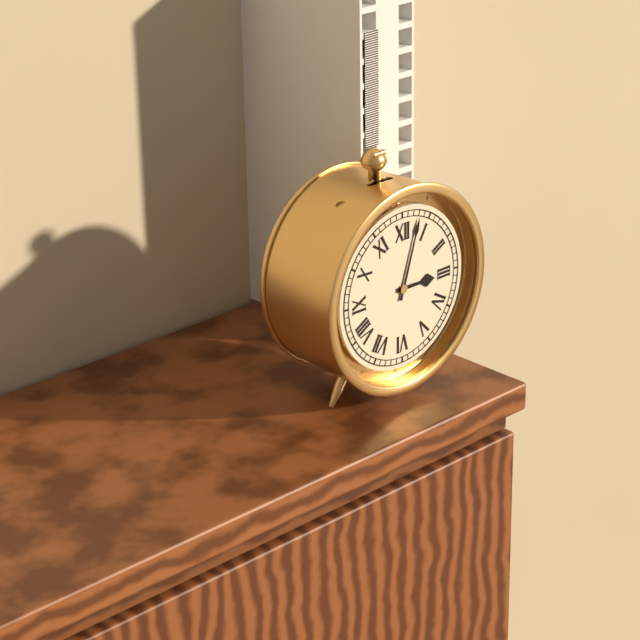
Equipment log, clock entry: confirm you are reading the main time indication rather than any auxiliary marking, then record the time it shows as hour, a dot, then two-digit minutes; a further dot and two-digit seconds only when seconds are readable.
3.03
